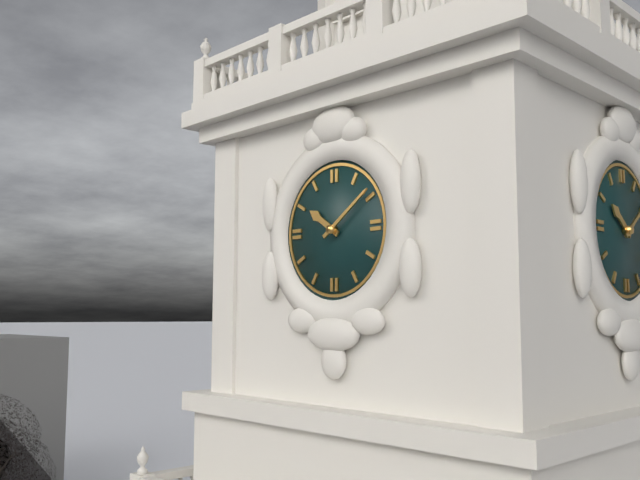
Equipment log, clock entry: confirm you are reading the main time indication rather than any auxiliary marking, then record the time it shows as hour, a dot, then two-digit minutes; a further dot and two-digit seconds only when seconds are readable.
10.09
